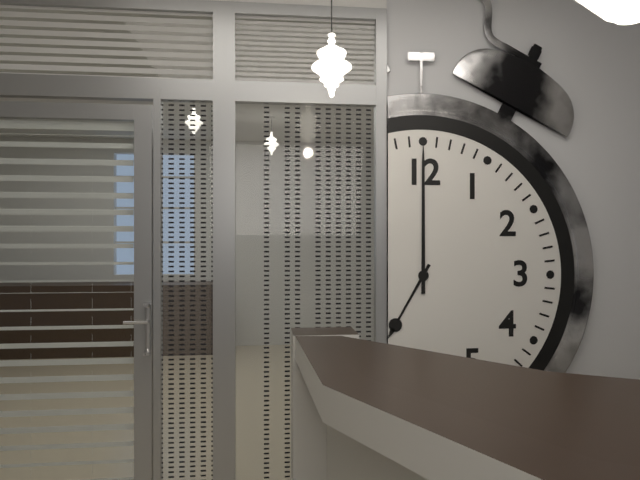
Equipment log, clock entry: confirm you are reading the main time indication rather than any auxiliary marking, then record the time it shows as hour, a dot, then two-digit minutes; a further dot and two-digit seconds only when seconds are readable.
7.00
